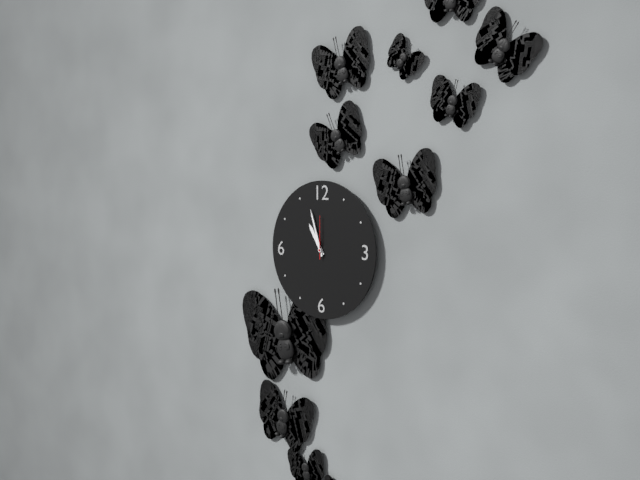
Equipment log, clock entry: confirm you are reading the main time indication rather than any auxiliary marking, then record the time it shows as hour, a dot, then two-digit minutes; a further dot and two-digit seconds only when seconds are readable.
10.57
